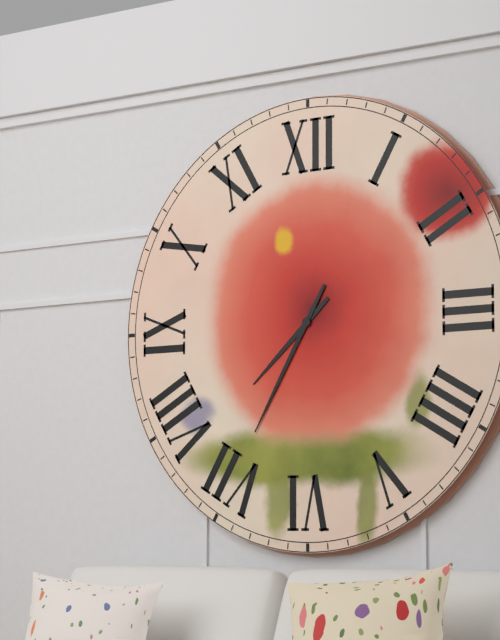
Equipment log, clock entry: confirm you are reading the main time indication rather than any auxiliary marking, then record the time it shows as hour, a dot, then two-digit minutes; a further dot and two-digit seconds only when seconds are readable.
7.35
